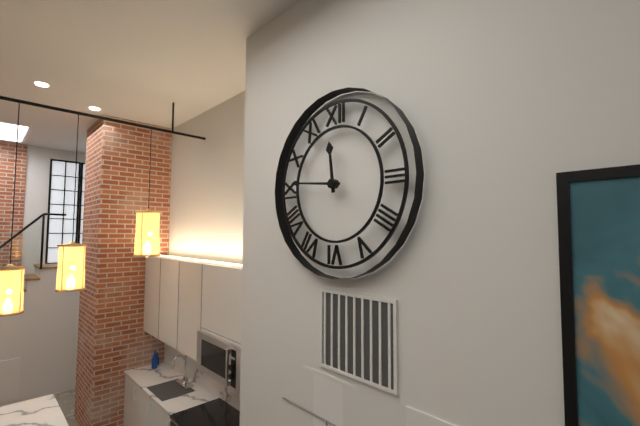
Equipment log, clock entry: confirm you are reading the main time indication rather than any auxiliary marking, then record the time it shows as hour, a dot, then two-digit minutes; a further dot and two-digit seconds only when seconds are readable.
11.46
